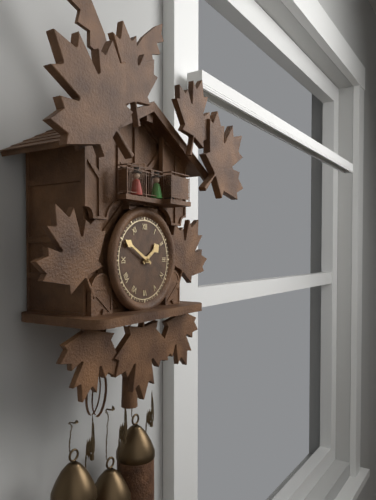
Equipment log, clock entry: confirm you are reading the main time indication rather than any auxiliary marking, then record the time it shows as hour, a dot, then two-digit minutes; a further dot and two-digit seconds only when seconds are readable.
1.50
